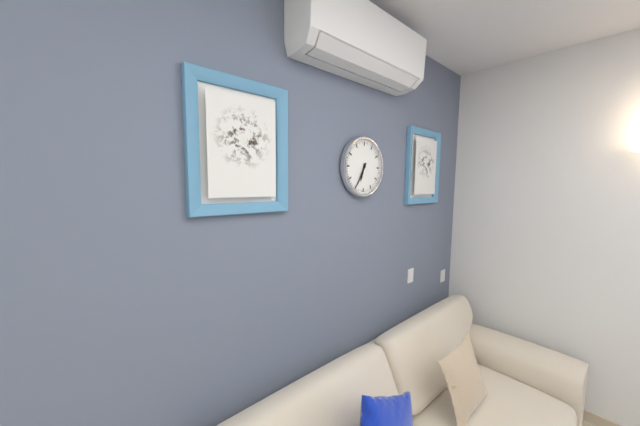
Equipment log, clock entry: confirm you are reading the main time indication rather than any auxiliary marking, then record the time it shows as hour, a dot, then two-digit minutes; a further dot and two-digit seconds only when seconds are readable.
6.35
